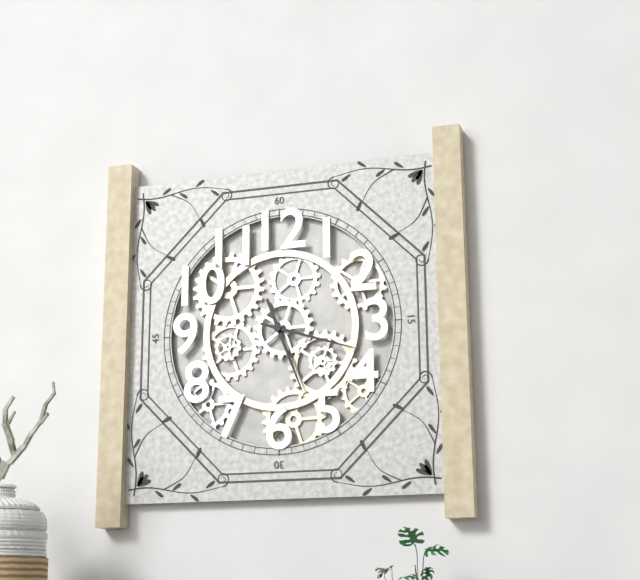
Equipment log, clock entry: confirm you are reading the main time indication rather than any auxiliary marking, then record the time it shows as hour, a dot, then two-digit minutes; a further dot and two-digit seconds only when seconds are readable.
5.18
